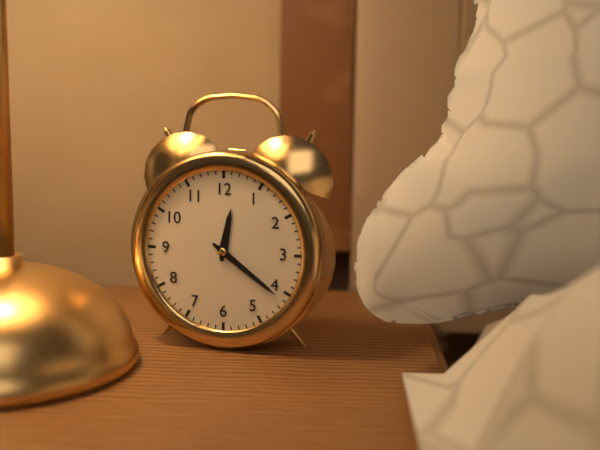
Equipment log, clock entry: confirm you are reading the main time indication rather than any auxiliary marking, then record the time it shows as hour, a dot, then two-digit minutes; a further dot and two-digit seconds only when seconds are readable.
12.21
